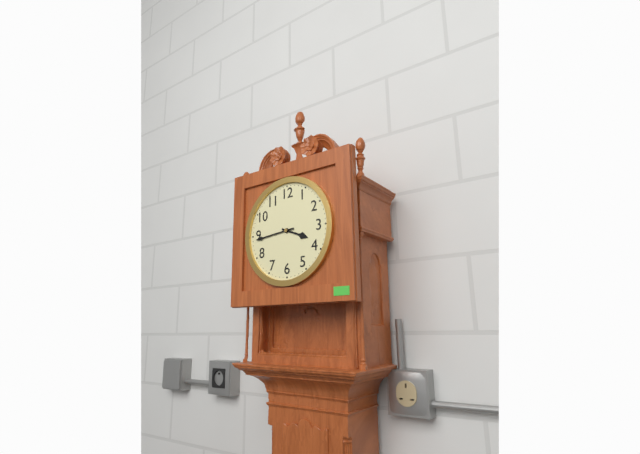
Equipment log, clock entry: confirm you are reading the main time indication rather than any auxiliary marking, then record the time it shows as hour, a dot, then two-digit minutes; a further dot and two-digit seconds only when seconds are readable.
3.44
